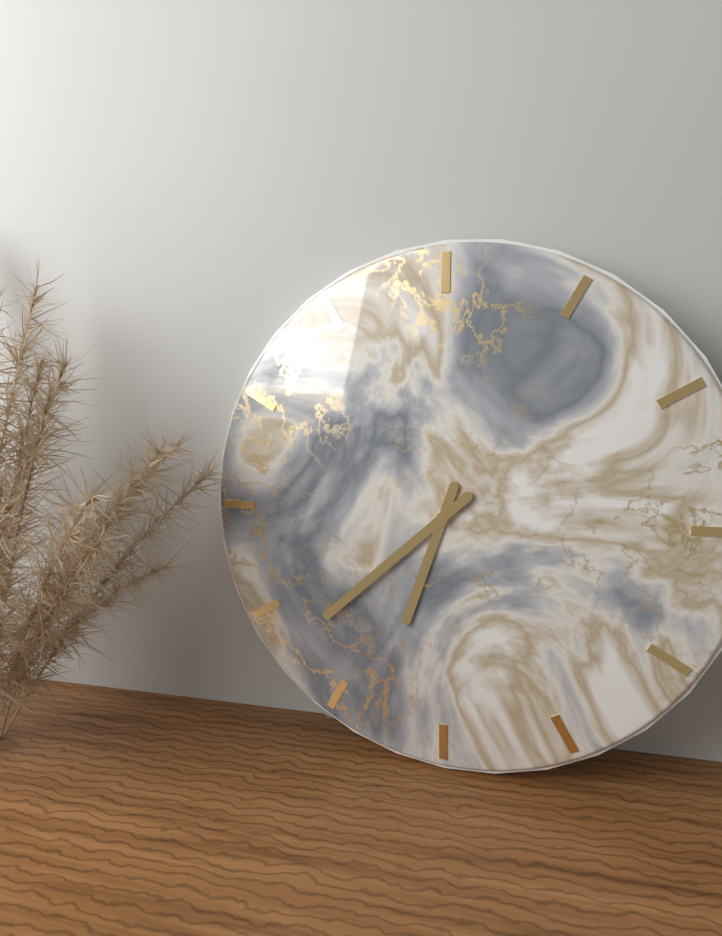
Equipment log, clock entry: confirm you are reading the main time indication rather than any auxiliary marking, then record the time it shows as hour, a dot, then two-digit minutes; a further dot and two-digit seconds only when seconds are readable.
6.38
